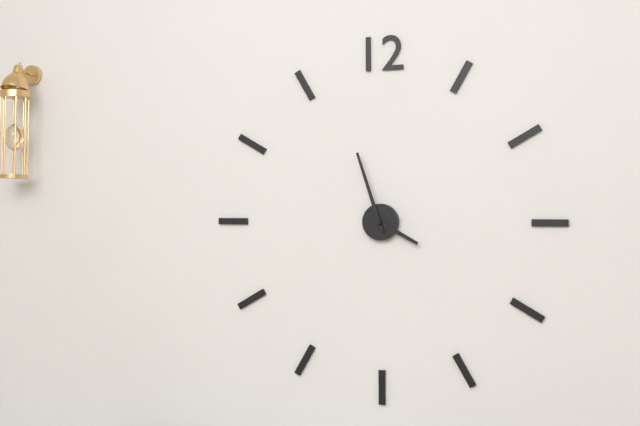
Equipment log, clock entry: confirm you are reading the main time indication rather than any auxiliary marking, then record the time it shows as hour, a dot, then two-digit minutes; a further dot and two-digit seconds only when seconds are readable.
3.57
